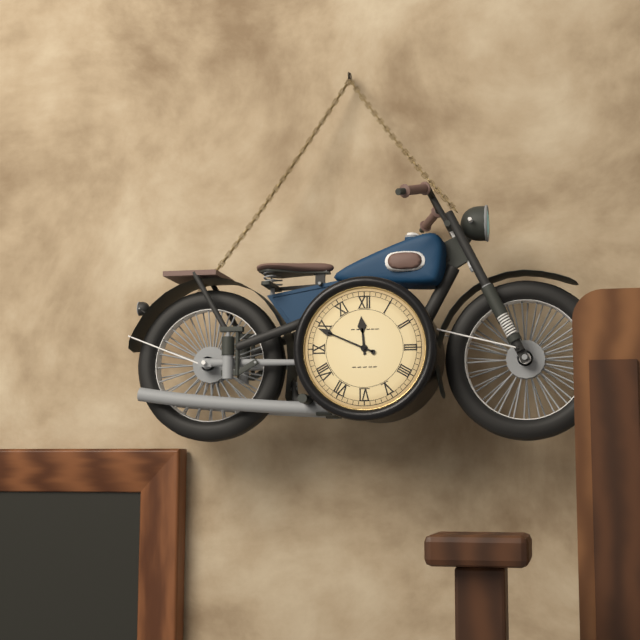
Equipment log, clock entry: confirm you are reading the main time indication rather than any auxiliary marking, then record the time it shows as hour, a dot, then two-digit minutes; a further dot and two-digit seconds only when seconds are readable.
11.49
